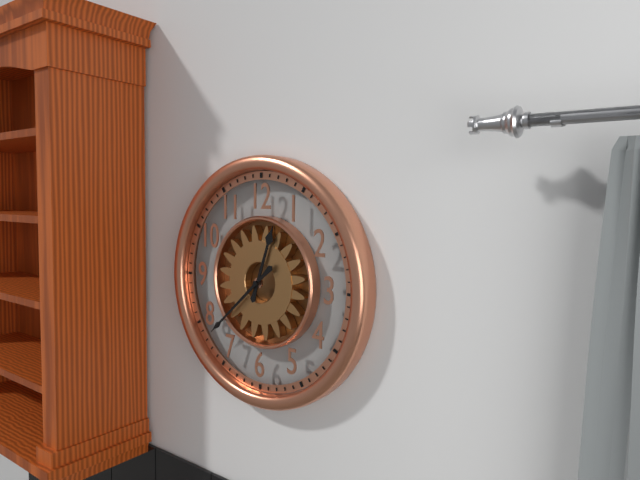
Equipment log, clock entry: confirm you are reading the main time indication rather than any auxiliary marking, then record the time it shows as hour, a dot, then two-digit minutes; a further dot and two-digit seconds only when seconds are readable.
12.38
